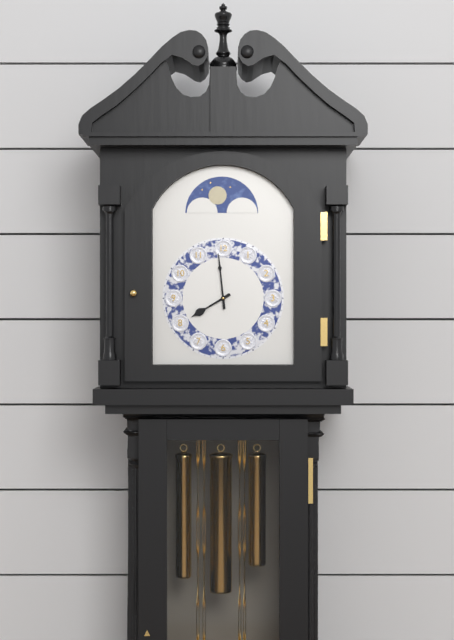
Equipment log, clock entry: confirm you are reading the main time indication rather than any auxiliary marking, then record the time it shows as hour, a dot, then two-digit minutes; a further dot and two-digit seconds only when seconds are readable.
7.59
